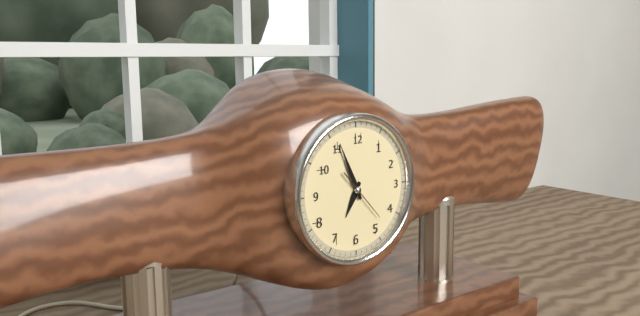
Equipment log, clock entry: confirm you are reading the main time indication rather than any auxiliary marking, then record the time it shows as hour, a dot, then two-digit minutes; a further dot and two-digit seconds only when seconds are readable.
6.56
